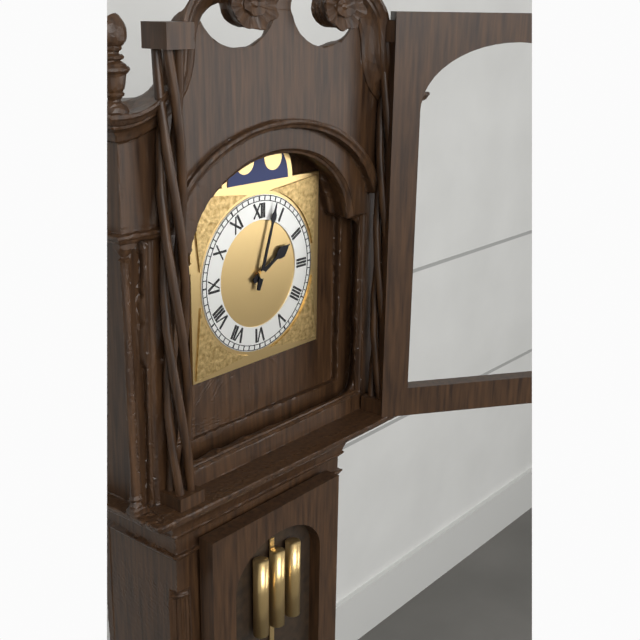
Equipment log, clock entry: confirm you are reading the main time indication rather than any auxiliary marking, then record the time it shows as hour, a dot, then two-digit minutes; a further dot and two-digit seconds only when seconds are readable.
2.03
